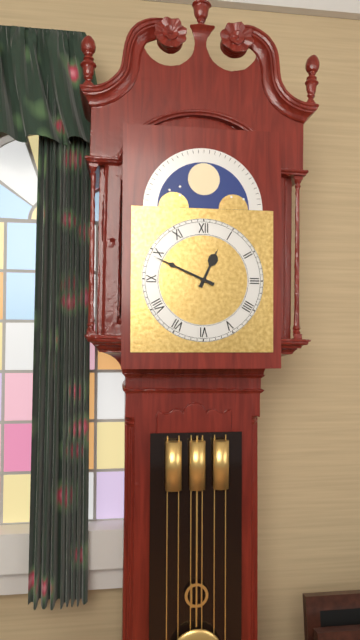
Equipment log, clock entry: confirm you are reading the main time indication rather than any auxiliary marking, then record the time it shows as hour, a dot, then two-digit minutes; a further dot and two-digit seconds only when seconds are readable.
12.49
